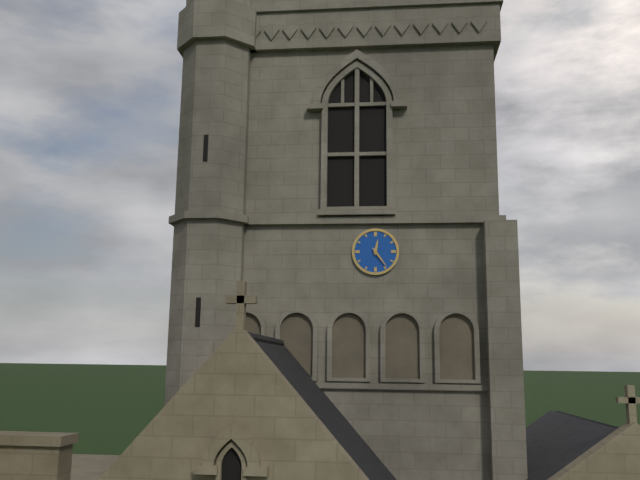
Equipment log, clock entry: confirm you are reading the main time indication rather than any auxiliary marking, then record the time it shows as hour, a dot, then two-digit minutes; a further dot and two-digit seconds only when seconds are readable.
12.24
